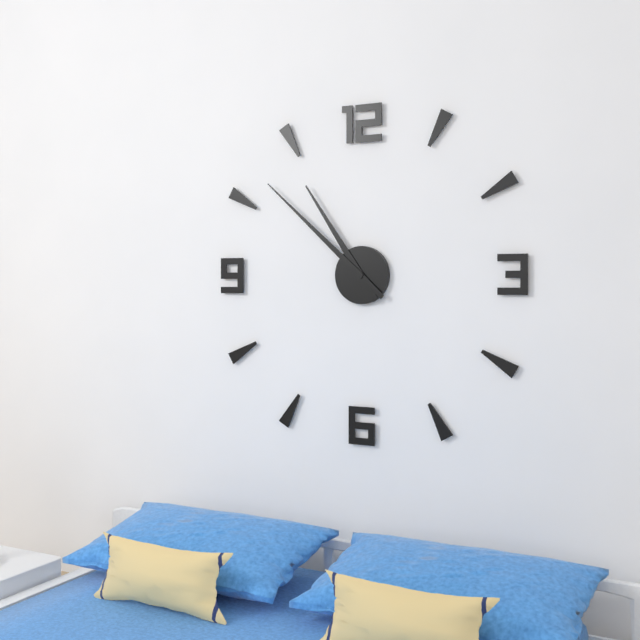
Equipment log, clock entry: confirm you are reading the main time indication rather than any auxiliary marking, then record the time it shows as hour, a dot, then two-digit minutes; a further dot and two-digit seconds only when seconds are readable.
10.52
